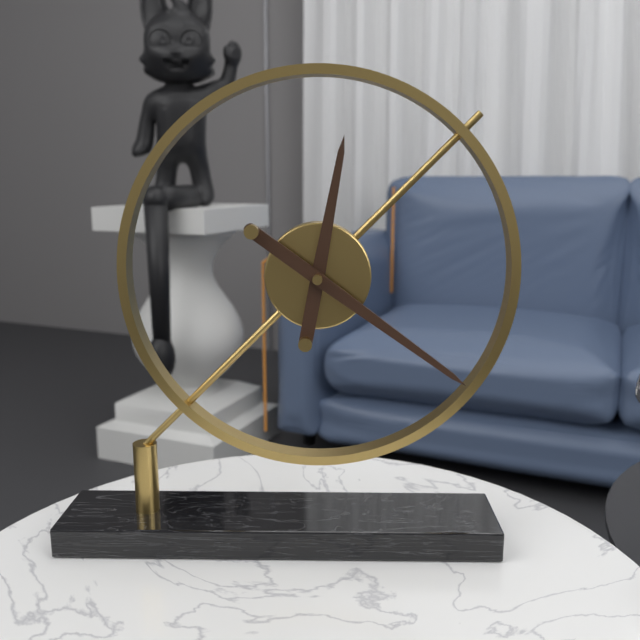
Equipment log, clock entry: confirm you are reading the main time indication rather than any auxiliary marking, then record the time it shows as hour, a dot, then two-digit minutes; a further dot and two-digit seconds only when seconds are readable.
12.21
